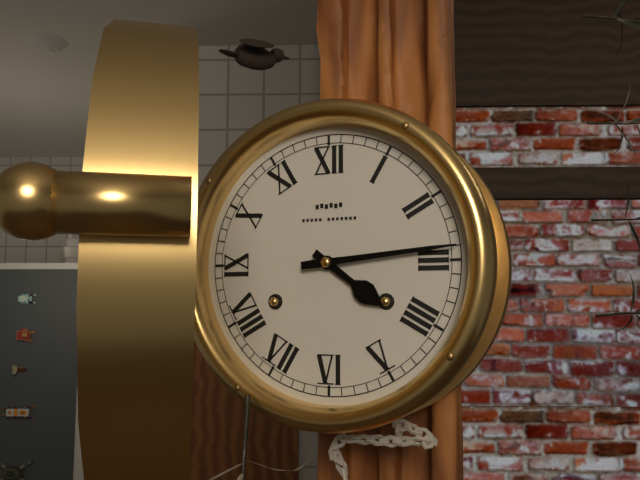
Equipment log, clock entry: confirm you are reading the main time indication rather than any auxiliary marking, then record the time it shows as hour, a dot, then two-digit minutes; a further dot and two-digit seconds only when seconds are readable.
4.14
